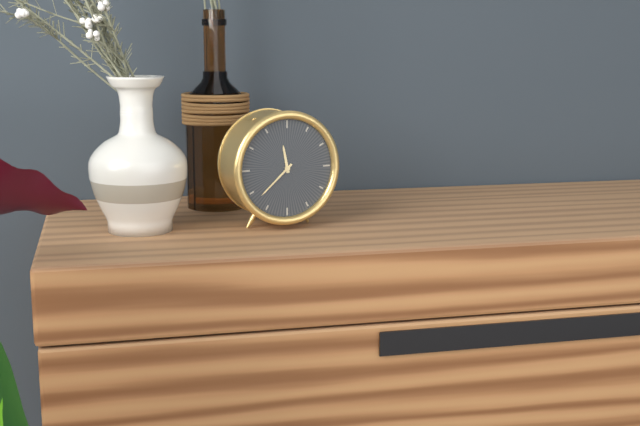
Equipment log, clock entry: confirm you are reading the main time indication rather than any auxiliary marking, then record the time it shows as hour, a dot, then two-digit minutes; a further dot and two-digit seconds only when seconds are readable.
11.38
